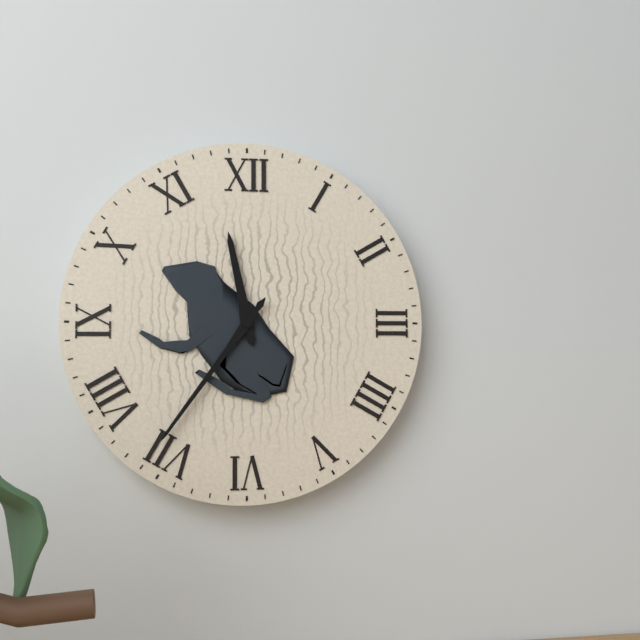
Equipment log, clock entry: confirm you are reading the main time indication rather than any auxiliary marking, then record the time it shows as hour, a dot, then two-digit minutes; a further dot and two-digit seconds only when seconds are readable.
11.36
